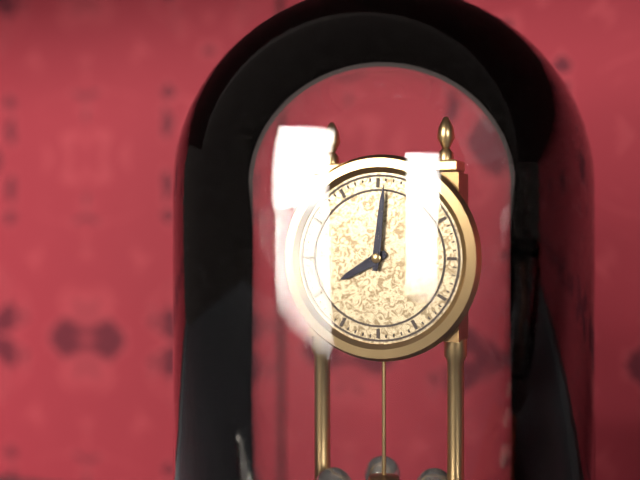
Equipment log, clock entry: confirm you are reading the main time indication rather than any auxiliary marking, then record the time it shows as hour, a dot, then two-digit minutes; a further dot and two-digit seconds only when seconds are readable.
8.01
